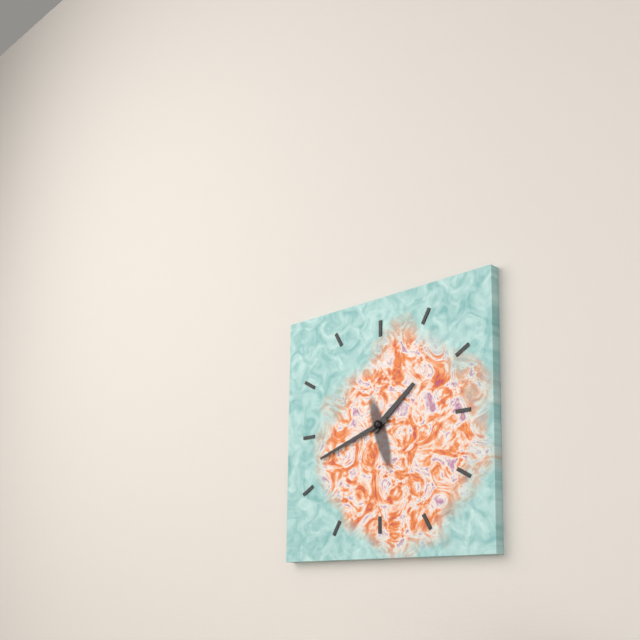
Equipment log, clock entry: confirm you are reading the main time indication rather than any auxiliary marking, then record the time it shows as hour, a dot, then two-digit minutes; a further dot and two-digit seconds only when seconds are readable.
1.42
